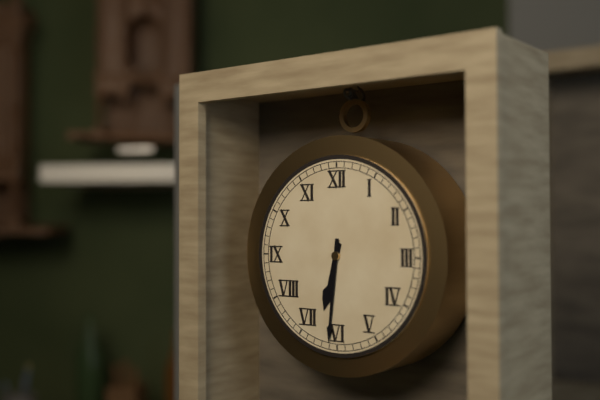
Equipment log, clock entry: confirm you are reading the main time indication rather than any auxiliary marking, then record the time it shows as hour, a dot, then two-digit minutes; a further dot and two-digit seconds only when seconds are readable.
6.31
